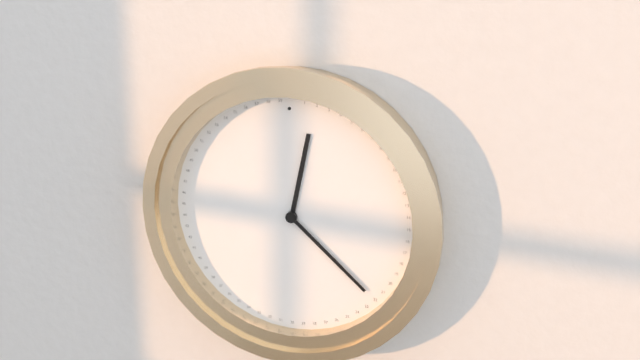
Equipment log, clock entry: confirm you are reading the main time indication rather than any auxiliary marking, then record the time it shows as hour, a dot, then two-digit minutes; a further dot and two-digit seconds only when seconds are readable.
12.22
